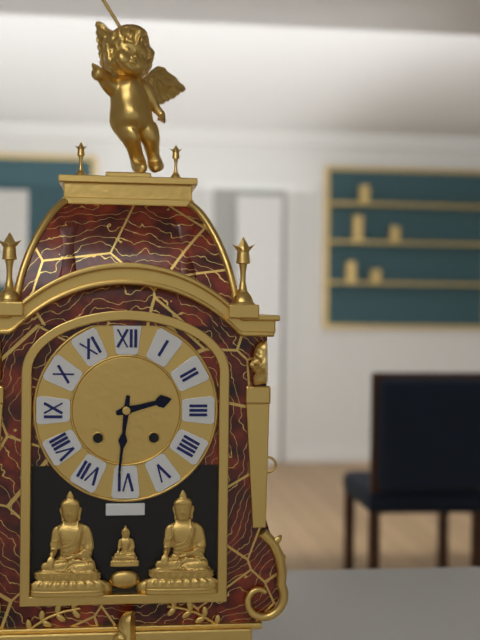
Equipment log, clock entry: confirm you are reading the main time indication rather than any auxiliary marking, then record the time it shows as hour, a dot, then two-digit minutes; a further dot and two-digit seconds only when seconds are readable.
2.31
